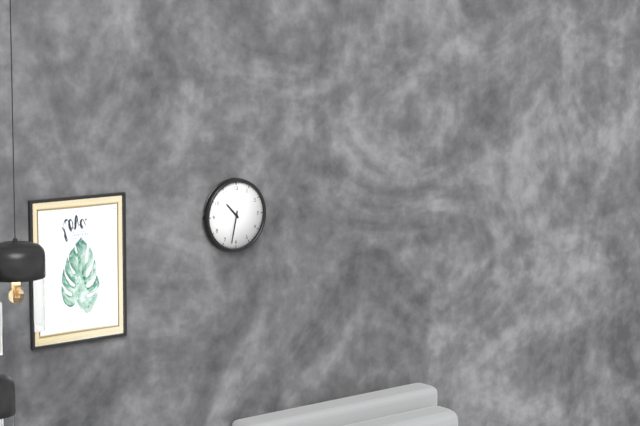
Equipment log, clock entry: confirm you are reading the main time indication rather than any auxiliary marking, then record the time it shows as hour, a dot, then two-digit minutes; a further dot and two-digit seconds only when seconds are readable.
10.32
